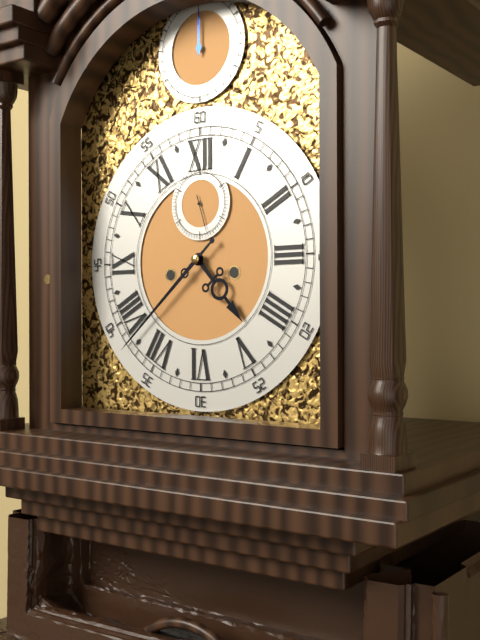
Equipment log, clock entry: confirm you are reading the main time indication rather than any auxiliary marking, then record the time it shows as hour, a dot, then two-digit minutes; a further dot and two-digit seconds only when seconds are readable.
4.38
